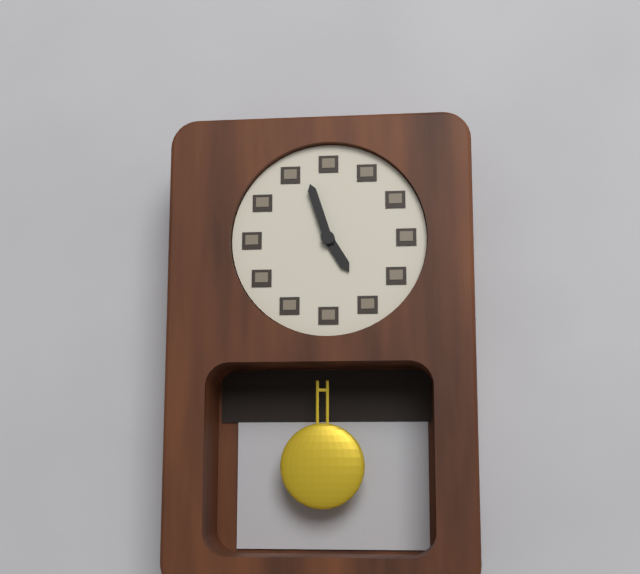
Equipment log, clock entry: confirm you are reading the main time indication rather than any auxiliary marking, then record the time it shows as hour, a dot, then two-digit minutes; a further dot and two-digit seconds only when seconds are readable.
4.57
